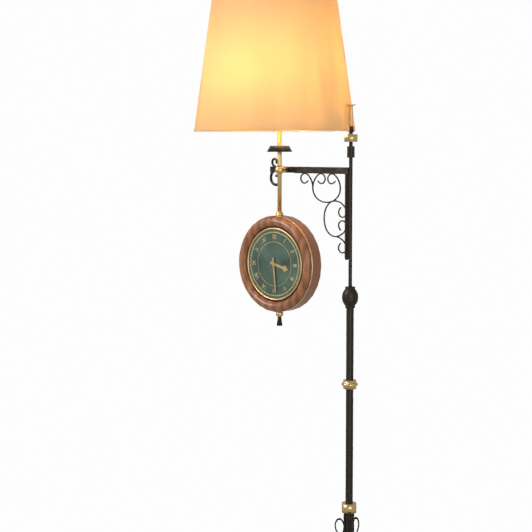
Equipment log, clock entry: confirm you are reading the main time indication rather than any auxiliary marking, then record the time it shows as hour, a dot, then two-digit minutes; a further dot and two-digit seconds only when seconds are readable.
3.29
